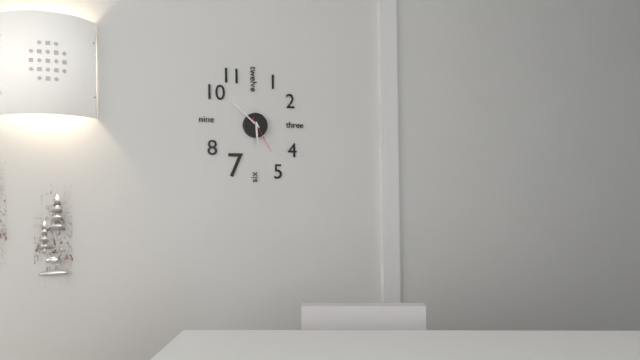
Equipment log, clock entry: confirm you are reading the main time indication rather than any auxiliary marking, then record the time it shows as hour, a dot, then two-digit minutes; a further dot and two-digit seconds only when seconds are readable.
5.52
